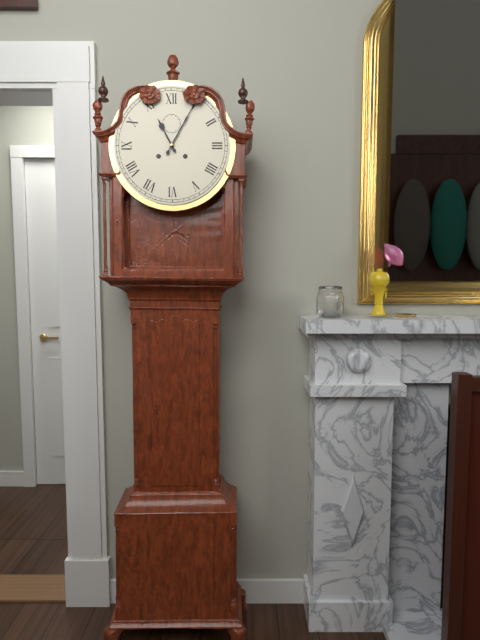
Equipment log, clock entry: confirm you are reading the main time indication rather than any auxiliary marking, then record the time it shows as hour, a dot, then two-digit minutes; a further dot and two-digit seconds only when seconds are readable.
11.05
